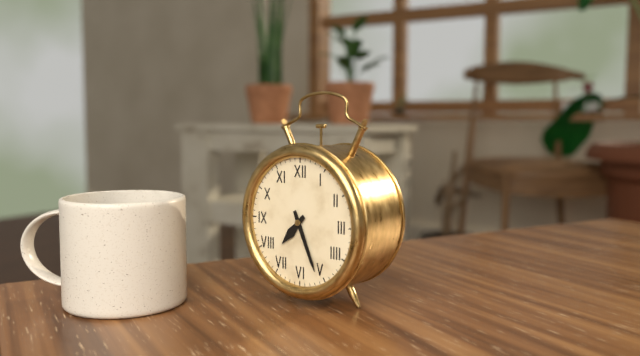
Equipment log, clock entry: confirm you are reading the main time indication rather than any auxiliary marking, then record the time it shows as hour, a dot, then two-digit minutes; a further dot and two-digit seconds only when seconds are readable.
7.26
